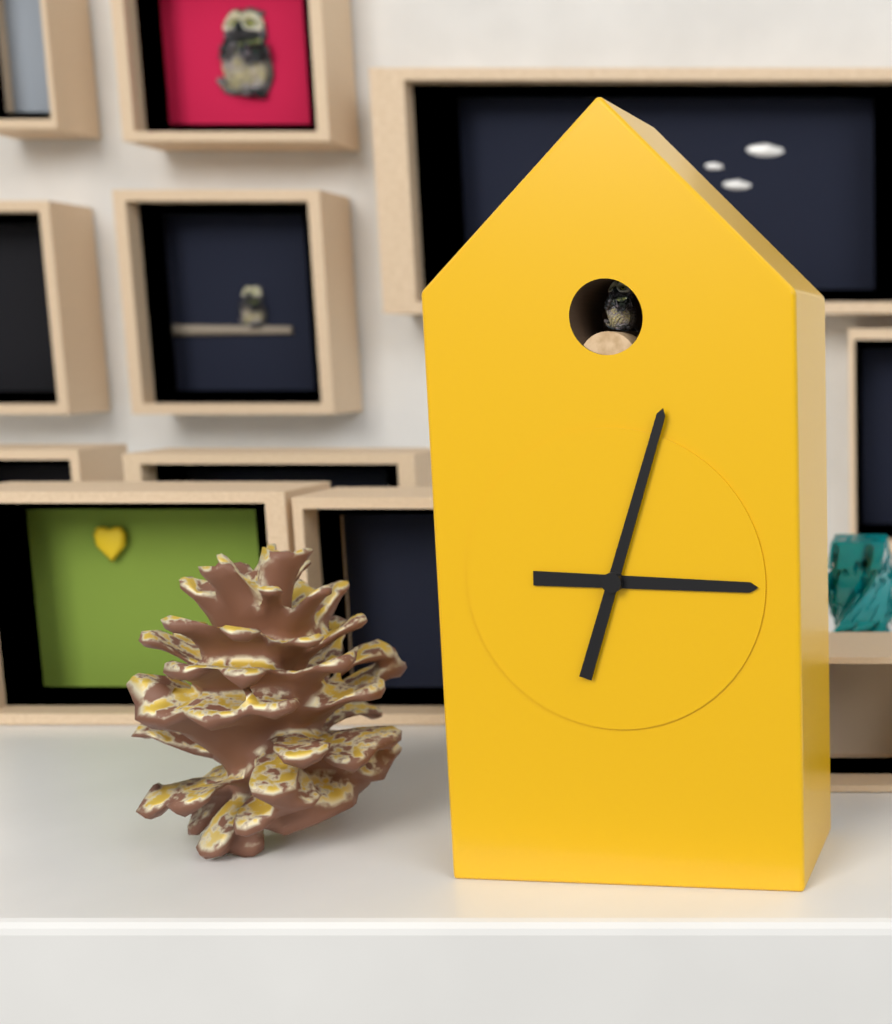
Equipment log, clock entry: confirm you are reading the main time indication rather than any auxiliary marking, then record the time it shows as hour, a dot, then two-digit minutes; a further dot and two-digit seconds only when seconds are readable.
3.03
